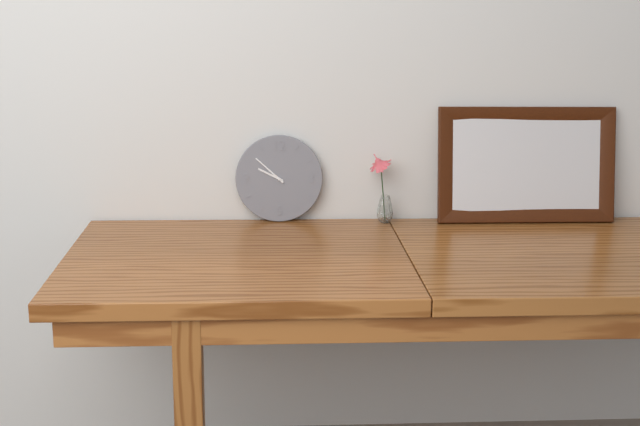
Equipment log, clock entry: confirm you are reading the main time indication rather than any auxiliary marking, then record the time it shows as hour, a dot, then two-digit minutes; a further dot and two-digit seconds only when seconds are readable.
9.52
